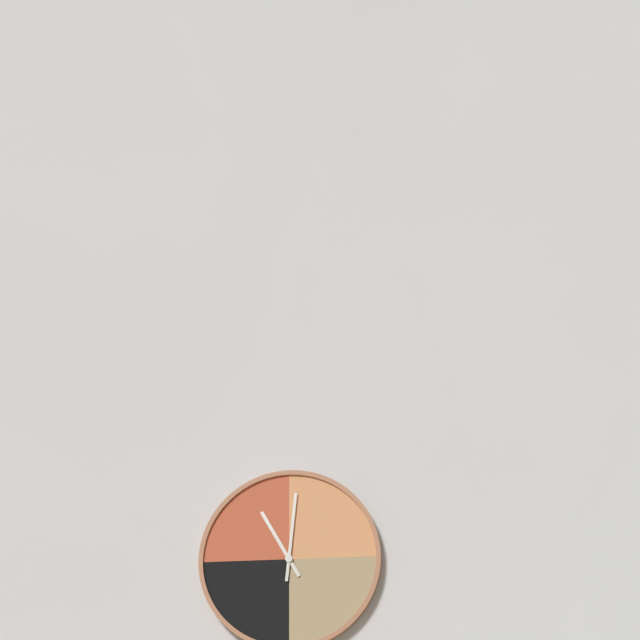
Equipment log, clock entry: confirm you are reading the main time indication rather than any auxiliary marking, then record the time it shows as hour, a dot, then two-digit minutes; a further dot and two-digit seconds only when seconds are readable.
11.01
